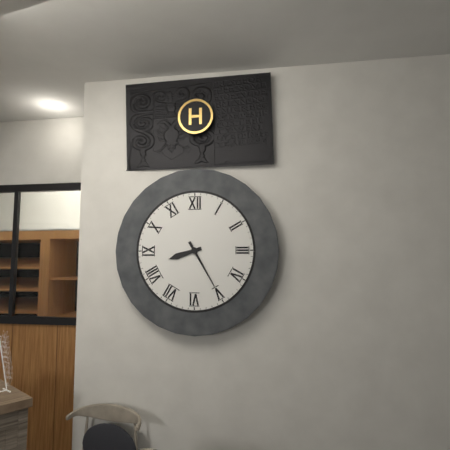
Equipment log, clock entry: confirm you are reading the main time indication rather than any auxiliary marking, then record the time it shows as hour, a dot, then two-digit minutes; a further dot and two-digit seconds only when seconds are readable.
8.25
